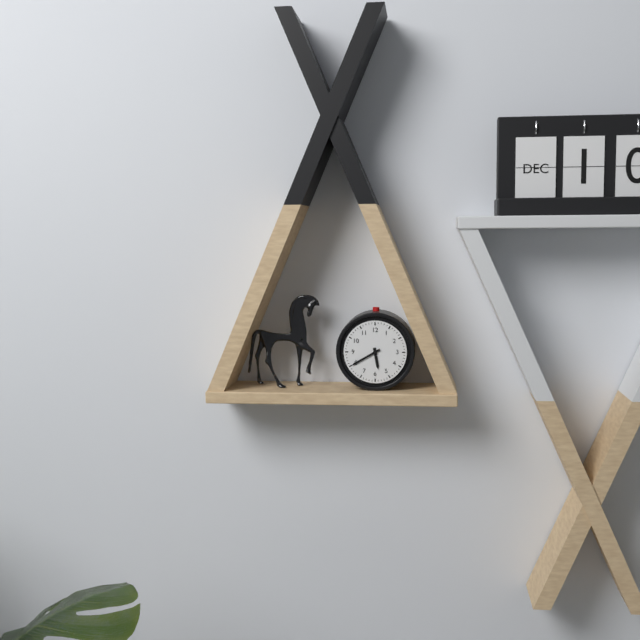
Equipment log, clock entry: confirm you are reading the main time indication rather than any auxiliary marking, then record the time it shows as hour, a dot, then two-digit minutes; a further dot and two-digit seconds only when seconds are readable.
5.40
